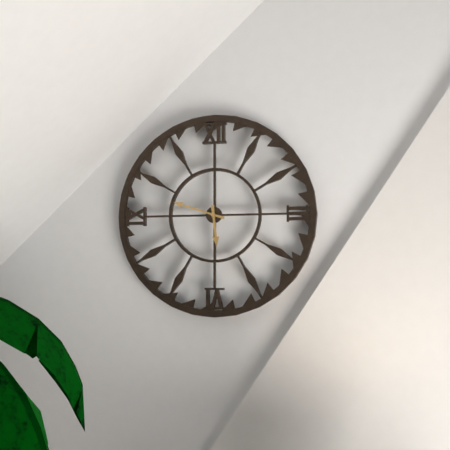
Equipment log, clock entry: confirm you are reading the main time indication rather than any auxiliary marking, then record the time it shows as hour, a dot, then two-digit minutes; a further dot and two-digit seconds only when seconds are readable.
5.48
